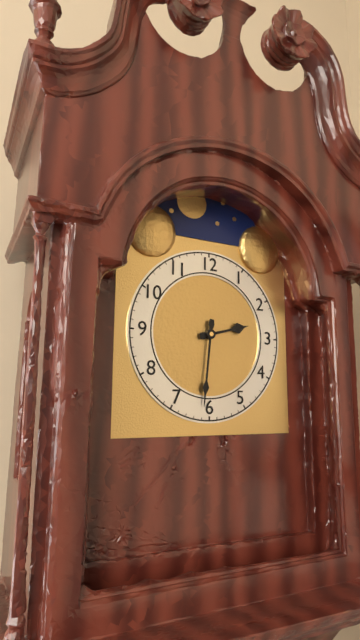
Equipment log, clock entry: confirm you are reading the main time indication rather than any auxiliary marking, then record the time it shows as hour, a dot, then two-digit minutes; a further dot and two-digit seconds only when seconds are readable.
2.31
